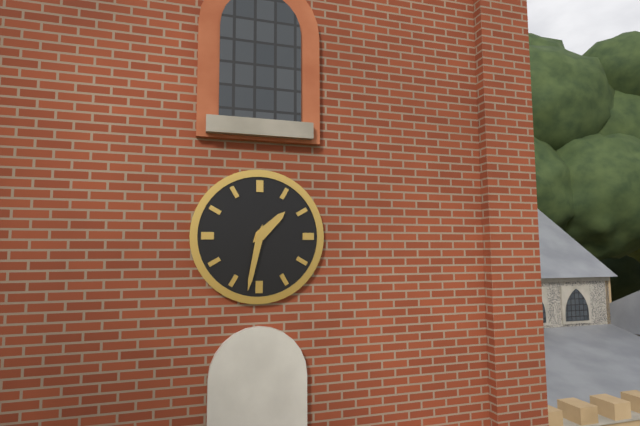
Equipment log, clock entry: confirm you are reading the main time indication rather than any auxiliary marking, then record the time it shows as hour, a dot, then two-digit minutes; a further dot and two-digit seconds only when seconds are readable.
1.32
